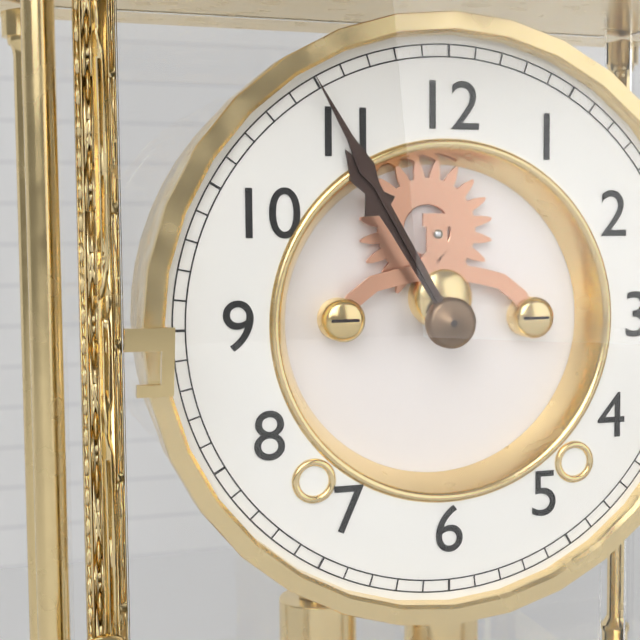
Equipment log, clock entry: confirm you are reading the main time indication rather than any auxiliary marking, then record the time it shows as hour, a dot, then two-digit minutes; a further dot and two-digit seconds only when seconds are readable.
10.55
